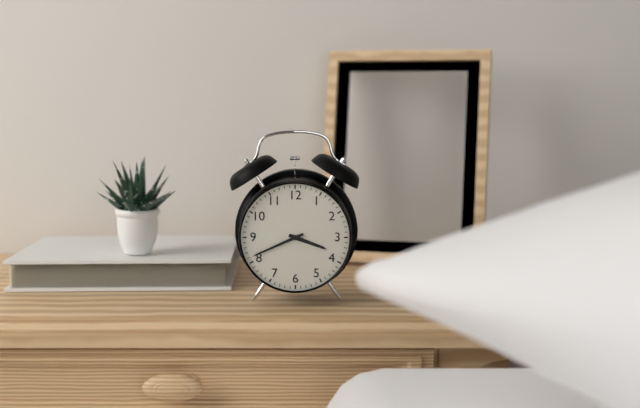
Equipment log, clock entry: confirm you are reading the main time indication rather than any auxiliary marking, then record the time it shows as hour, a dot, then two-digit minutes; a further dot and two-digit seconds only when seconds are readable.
3.41
